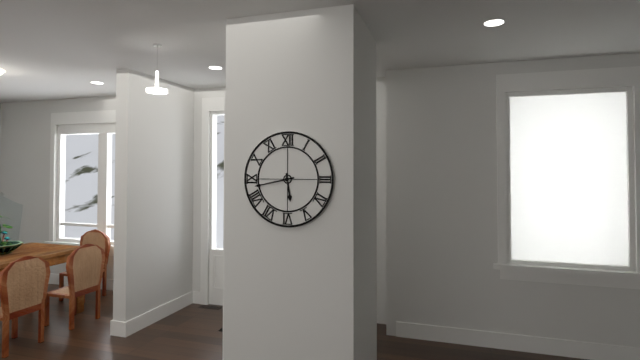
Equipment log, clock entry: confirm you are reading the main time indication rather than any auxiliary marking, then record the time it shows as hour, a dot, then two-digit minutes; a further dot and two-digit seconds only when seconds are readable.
5.43
